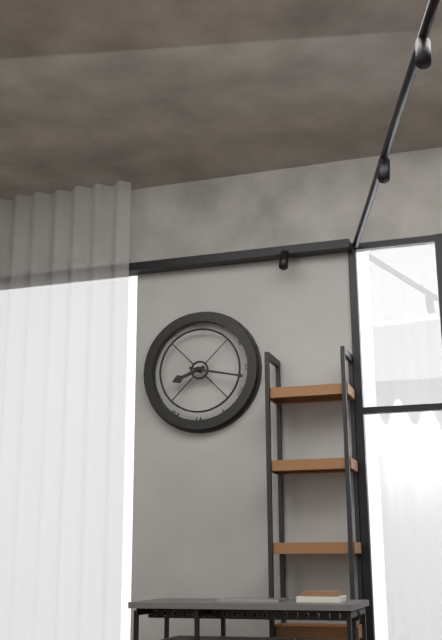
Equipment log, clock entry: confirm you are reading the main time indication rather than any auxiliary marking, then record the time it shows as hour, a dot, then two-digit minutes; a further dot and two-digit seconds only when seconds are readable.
8.17
